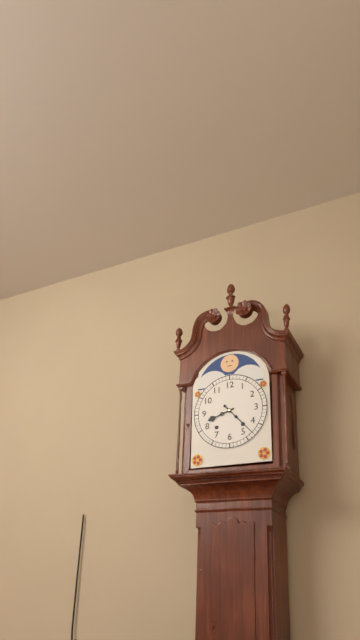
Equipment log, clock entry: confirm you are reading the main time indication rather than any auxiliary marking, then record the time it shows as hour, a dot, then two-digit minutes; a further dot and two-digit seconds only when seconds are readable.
8.23
